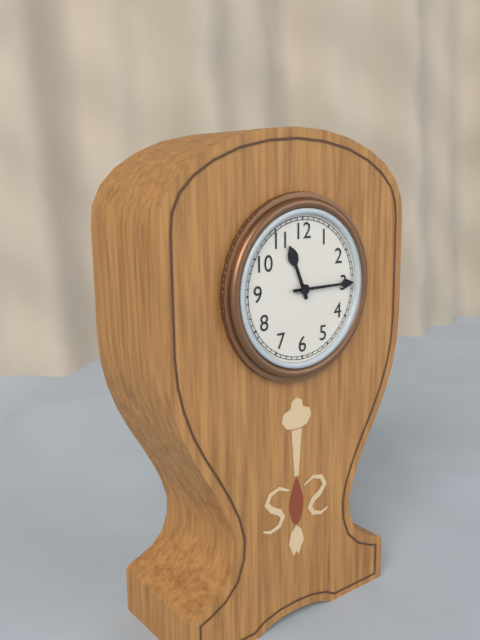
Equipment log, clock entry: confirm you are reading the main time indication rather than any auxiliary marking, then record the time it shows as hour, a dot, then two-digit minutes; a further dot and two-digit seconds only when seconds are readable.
11.15
